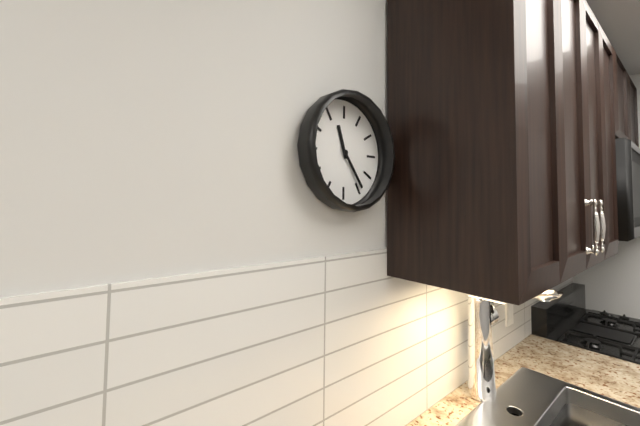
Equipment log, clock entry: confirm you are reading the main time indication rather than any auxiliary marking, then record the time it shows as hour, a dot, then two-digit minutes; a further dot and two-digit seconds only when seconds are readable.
11.24
